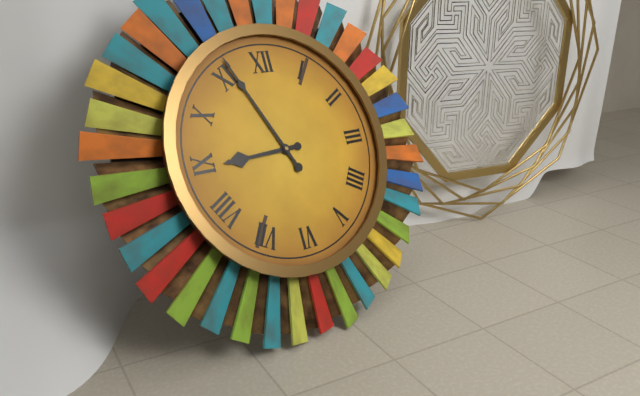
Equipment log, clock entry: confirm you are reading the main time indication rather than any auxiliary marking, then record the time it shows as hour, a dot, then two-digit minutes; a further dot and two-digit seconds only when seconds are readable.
8.56
